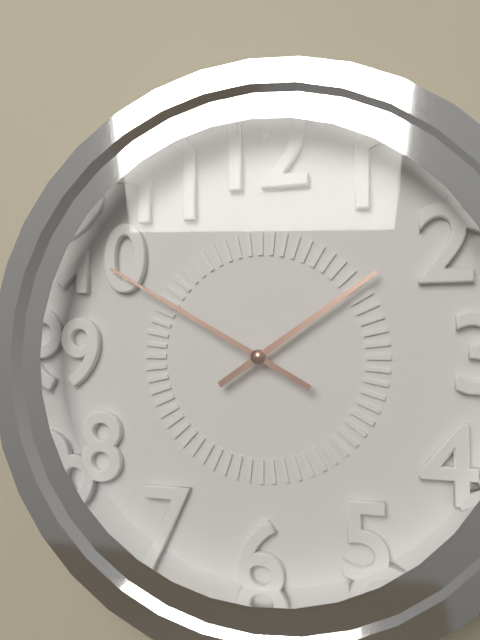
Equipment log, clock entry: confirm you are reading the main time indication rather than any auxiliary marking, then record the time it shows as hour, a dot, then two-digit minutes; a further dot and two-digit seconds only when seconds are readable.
1.50
